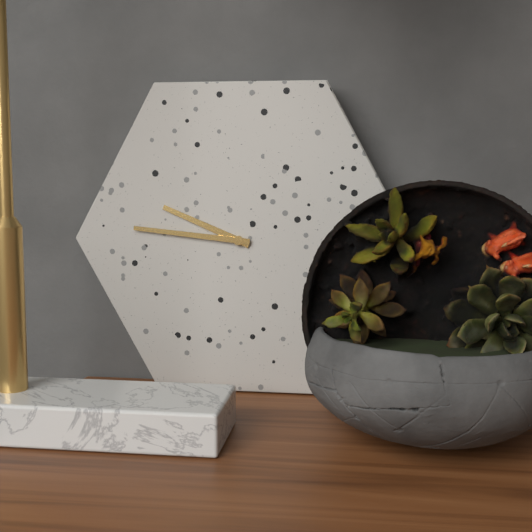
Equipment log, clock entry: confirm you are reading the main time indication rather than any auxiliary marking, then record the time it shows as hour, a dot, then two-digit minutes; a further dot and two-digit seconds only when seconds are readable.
9.46
